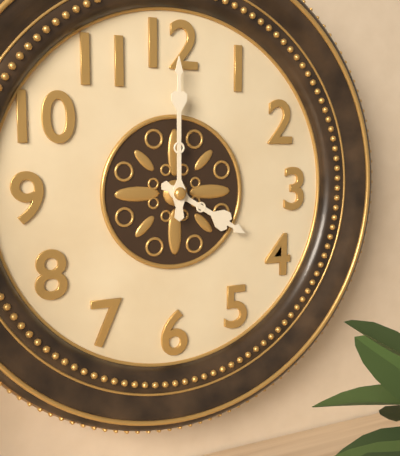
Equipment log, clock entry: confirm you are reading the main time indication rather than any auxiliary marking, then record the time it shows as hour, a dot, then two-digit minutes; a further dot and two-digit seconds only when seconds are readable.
4.00
